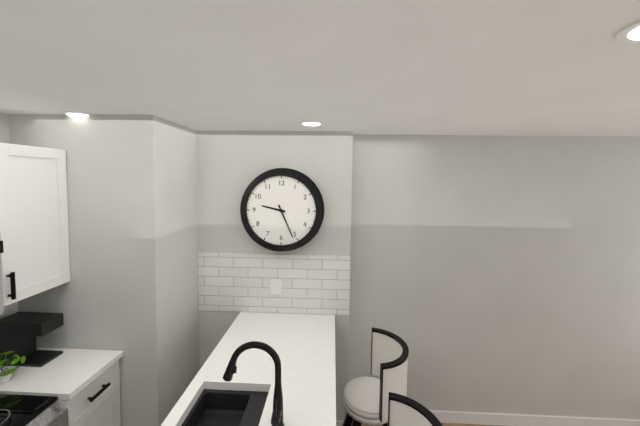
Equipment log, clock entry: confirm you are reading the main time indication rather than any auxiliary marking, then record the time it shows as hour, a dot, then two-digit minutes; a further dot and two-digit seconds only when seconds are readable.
9.26
